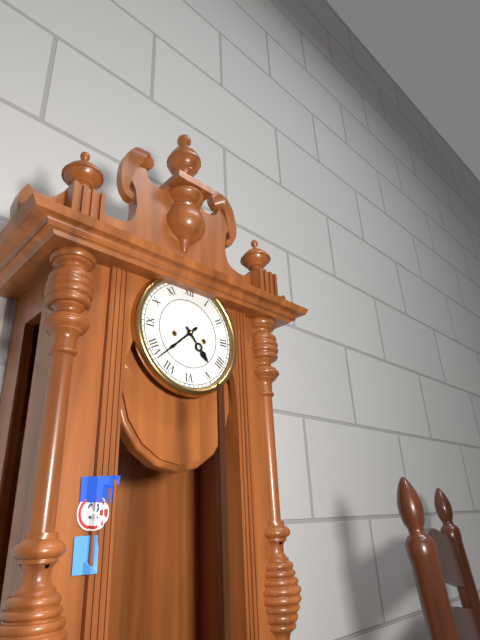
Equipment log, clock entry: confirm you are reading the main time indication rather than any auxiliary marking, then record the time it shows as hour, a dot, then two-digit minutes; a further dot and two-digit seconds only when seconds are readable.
4.38
